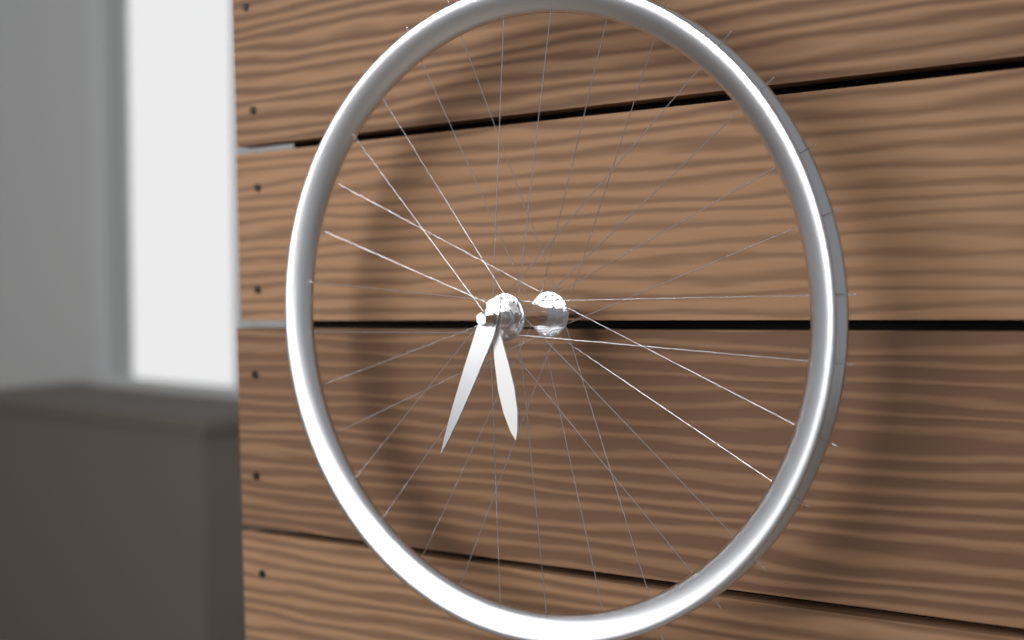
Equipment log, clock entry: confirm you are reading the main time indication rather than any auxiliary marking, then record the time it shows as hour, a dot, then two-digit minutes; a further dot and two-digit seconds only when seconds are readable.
5.34
